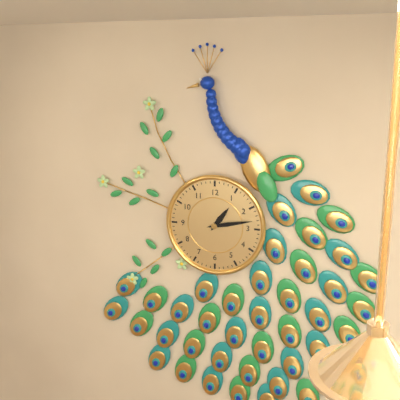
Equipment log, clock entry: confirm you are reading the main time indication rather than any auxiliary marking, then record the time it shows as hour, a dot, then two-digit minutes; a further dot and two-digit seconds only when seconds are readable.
1.13
